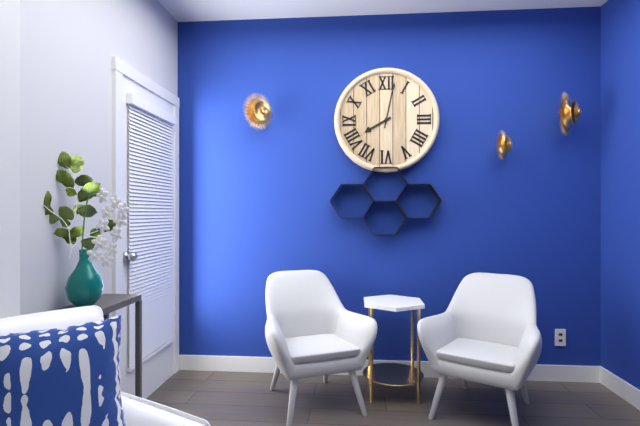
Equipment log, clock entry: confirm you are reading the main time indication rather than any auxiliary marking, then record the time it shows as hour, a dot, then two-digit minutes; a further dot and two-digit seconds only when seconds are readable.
8.02
